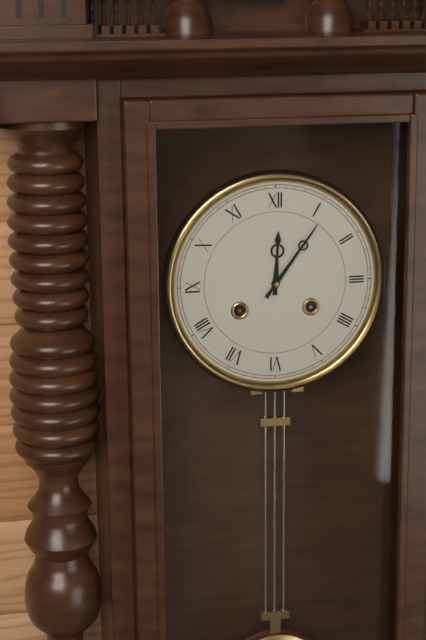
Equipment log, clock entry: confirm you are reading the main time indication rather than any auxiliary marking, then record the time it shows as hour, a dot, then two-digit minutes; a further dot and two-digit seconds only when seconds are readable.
12.06
